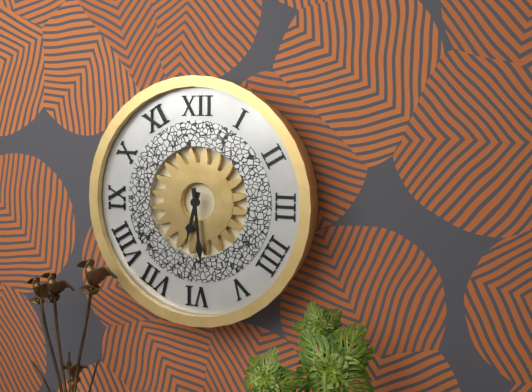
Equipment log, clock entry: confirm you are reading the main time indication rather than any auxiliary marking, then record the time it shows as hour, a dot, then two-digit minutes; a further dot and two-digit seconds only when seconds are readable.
6.29
